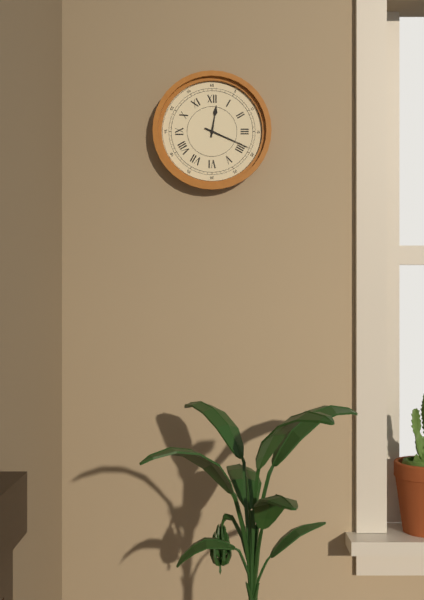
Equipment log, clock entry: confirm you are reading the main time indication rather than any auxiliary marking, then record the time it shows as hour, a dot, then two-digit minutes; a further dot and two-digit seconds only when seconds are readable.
12.19
